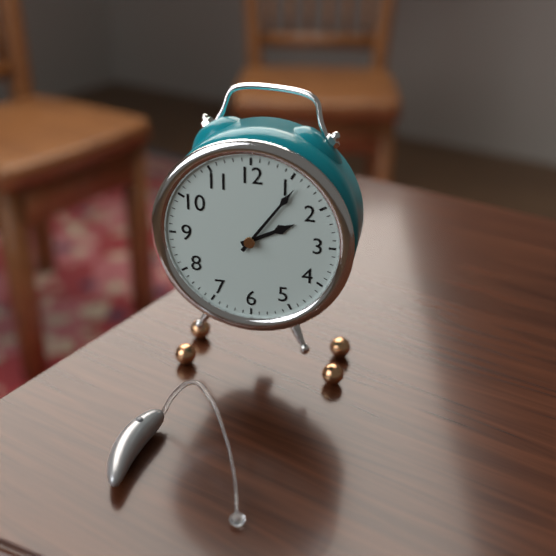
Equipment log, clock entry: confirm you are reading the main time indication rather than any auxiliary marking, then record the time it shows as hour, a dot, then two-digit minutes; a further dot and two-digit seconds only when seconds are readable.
2.06
